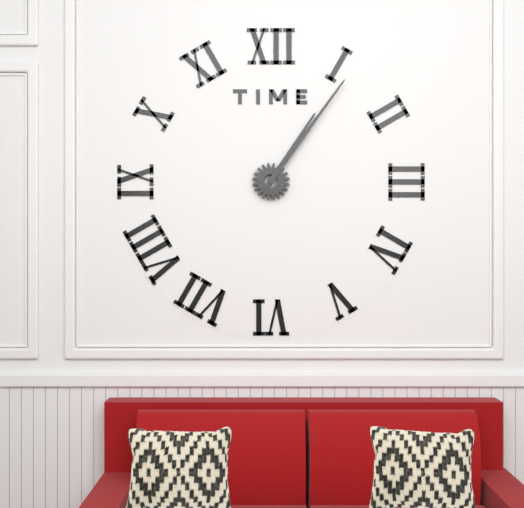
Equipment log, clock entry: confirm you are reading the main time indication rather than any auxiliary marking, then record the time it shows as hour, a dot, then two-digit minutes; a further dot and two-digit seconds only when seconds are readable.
1.06
